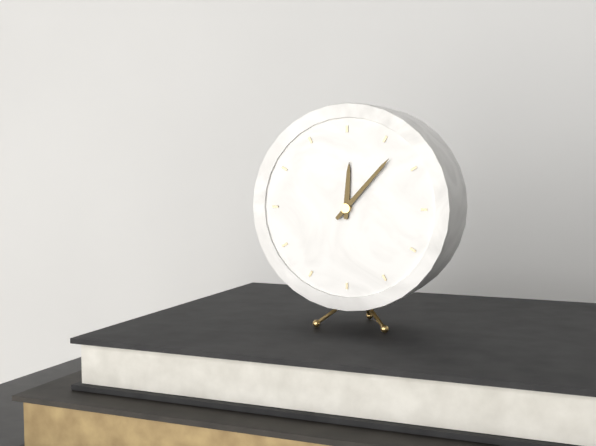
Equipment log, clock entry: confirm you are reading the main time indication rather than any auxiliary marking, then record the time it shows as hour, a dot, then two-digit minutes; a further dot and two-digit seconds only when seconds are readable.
12.07
